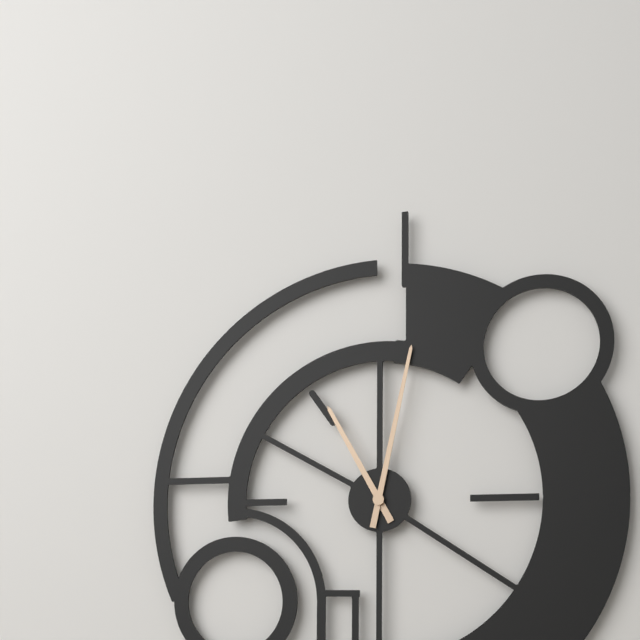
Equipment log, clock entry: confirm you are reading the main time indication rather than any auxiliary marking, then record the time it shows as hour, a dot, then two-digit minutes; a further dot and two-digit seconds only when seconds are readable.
11.02
